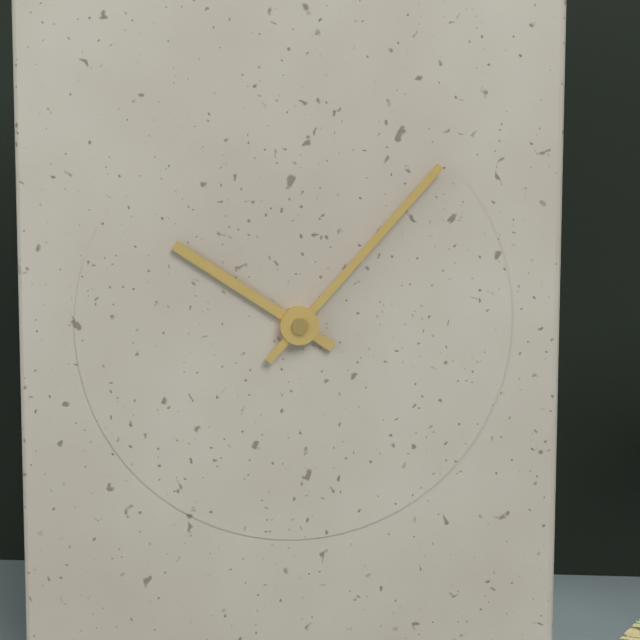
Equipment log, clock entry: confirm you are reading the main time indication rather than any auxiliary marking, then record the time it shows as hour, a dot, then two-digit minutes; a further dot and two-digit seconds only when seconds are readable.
10.07
